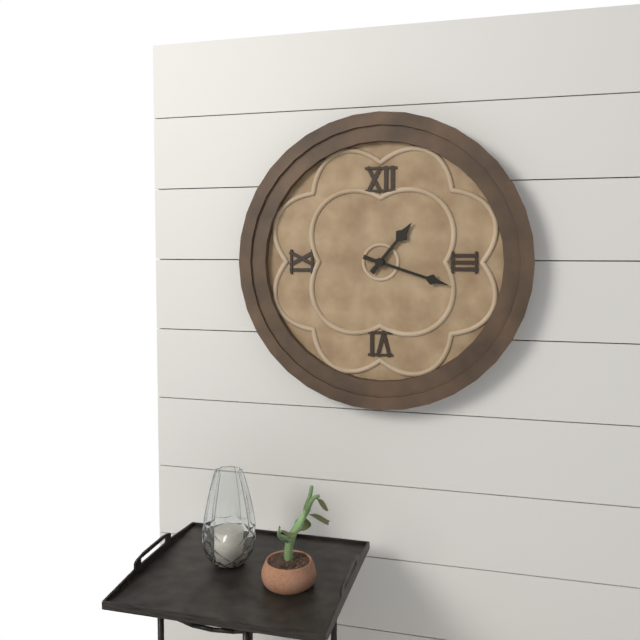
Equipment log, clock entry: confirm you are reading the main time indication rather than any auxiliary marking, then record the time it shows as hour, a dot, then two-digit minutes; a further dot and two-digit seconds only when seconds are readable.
1.18
